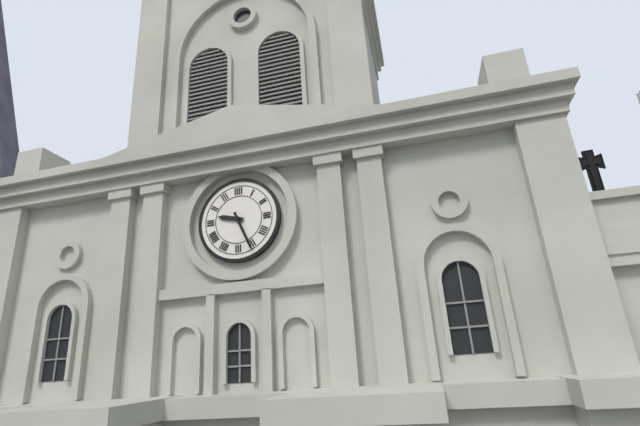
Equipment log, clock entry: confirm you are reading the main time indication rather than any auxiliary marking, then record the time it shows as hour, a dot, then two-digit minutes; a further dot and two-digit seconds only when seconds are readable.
9.26
